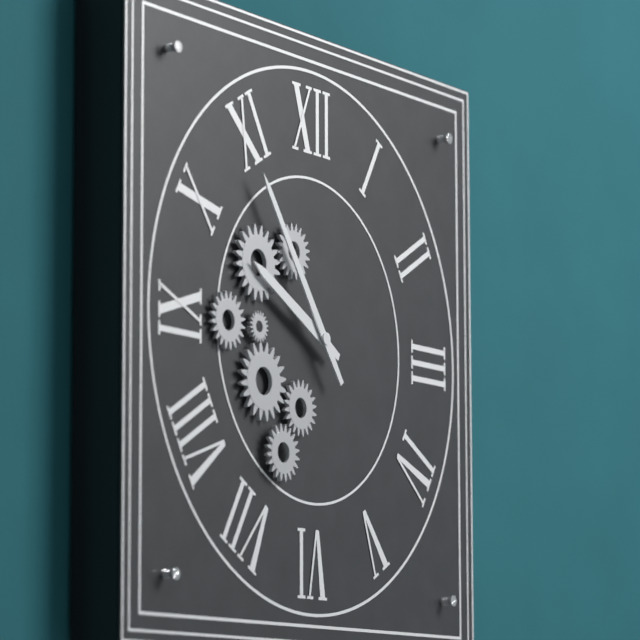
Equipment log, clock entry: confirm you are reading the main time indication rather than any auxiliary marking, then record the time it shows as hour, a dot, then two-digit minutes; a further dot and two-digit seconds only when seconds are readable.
9.54
